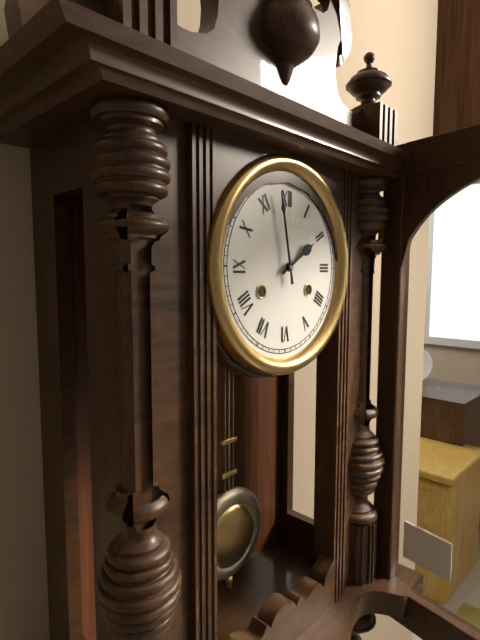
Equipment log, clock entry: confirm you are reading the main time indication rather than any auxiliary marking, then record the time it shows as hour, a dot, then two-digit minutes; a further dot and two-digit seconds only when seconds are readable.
1.58
